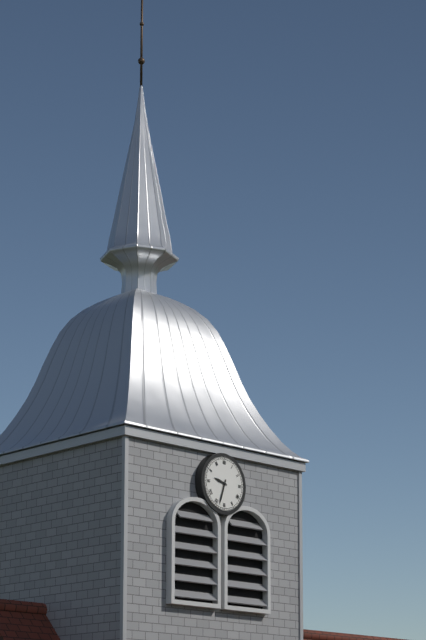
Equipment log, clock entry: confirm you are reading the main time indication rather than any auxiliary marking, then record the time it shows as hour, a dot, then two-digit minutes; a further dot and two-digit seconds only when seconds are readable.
9.33
